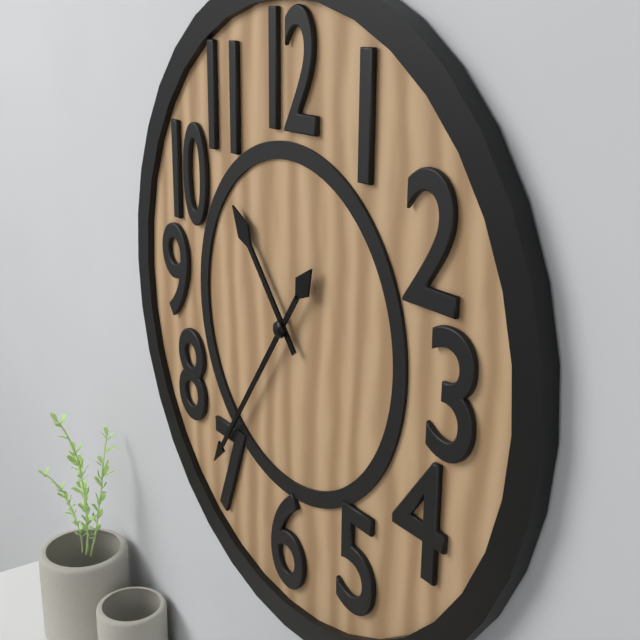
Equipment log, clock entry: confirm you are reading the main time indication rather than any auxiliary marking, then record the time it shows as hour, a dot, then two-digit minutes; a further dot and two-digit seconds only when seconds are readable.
10.36
